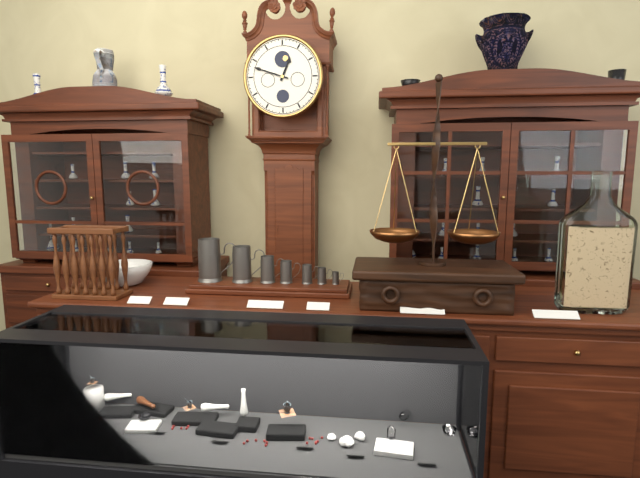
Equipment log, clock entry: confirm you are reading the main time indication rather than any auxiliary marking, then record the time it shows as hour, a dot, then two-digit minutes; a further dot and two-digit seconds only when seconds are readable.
12.48
